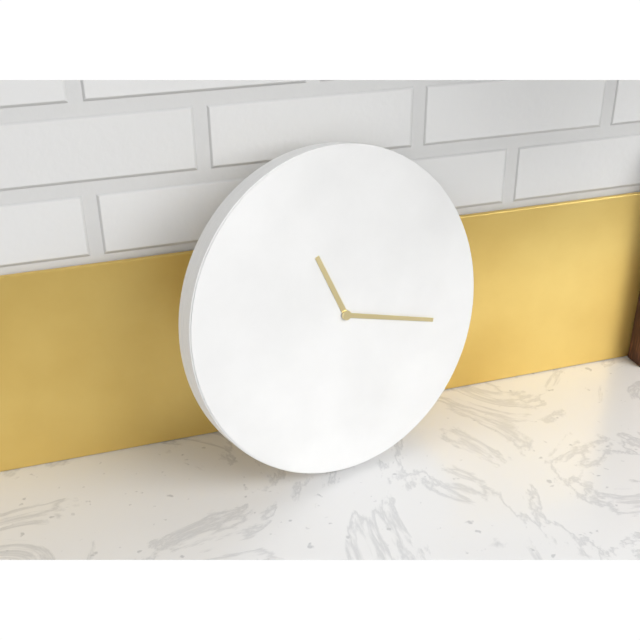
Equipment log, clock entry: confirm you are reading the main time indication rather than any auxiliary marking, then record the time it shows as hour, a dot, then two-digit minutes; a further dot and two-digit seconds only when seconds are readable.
11.18
